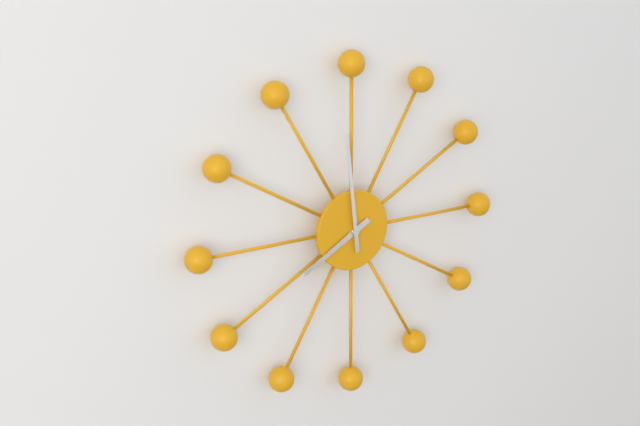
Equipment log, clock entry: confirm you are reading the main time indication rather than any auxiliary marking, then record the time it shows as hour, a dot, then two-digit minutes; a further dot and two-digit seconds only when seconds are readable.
7.59
